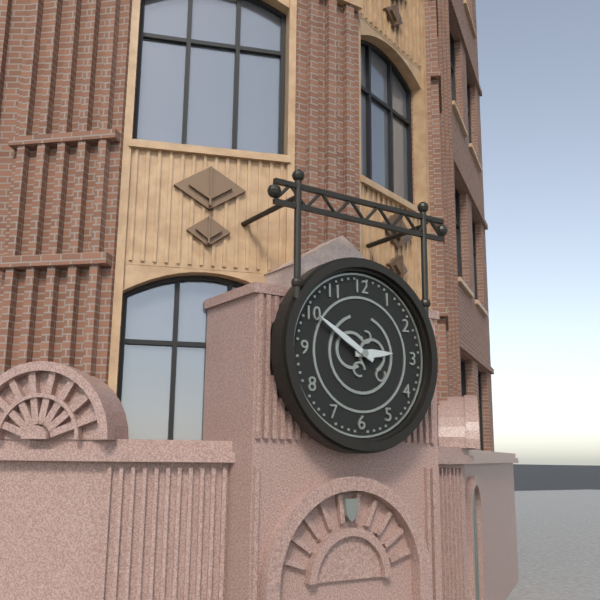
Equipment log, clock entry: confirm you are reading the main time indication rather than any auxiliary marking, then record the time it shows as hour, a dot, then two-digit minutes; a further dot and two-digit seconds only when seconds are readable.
2.50
